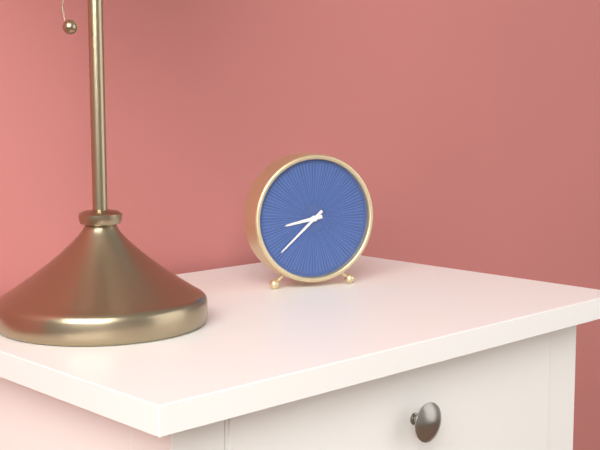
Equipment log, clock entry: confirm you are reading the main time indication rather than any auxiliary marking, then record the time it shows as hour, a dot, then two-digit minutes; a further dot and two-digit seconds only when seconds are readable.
8.38
